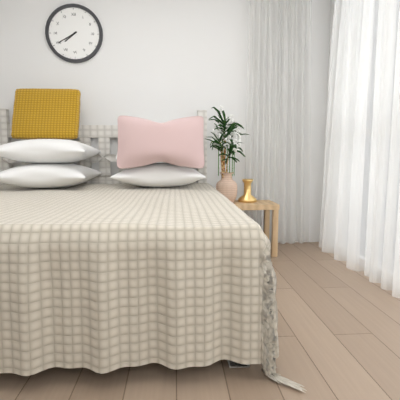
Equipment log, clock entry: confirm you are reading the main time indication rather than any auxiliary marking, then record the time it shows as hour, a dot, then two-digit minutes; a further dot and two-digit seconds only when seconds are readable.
7.40
